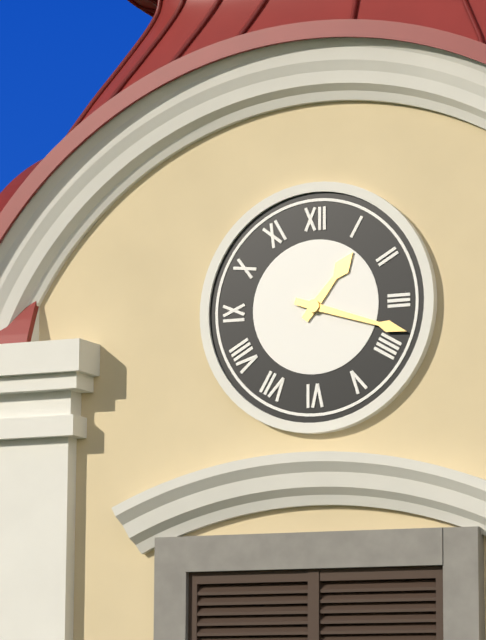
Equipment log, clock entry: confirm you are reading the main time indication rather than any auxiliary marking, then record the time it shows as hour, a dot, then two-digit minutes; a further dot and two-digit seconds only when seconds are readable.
1.18
